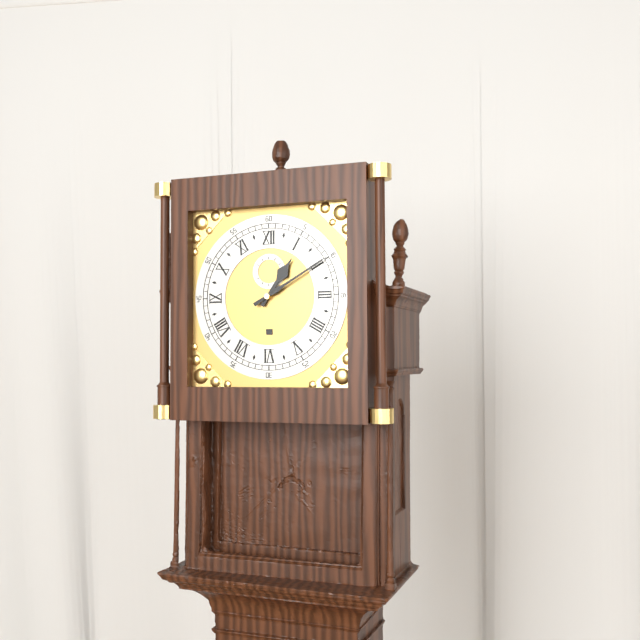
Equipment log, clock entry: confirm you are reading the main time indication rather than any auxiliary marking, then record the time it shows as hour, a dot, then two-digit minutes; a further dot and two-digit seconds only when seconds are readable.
1.10
